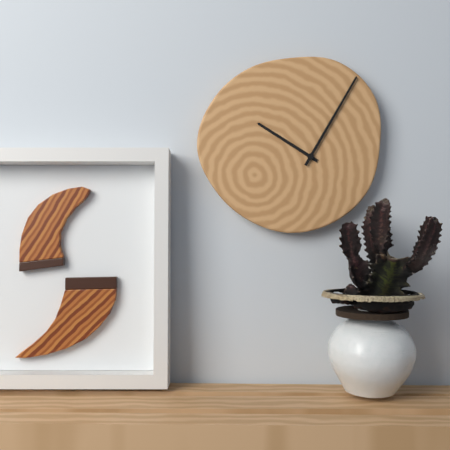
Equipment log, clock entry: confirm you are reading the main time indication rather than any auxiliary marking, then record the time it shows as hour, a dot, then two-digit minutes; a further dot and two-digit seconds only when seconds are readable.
10.05
